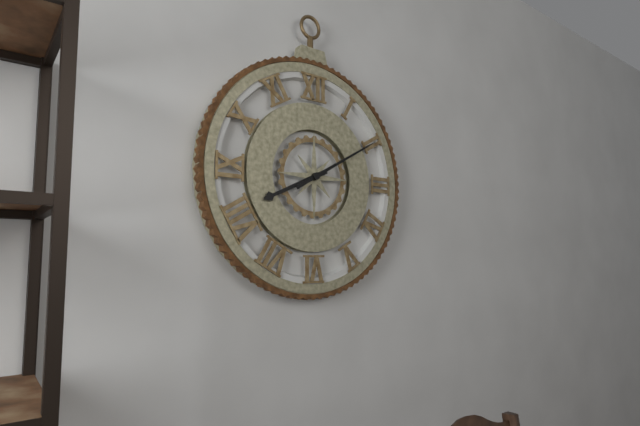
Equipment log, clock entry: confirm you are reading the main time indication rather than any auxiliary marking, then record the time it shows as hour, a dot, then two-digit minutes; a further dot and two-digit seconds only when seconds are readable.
8.10
